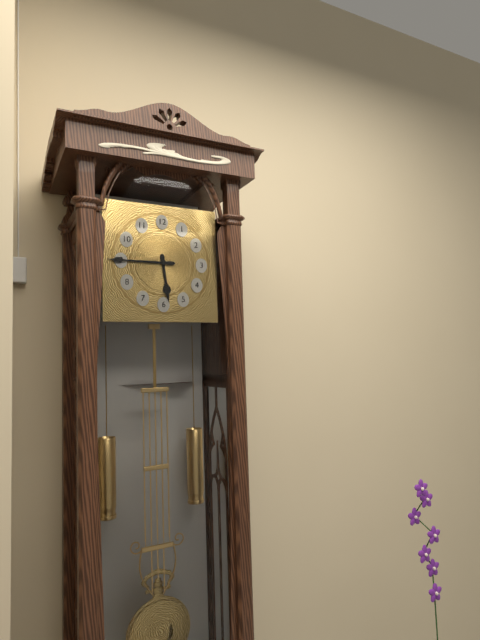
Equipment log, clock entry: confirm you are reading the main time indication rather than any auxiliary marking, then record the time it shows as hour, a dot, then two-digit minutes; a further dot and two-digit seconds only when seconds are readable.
5.45
